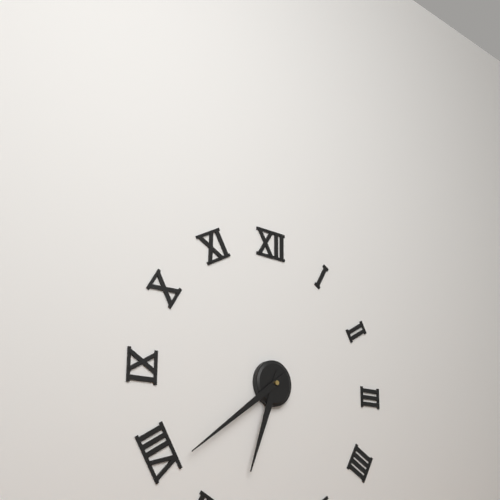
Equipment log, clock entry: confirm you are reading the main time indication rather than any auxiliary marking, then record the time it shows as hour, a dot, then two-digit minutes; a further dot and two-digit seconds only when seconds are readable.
6.39
